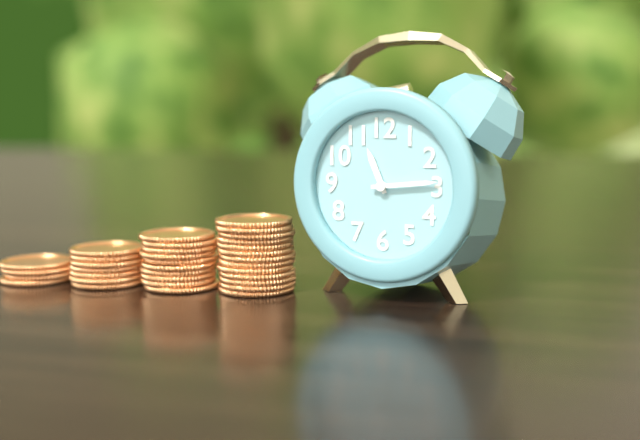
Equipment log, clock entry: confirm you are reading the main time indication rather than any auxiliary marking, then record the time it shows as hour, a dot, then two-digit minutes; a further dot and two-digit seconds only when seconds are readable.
11.14
